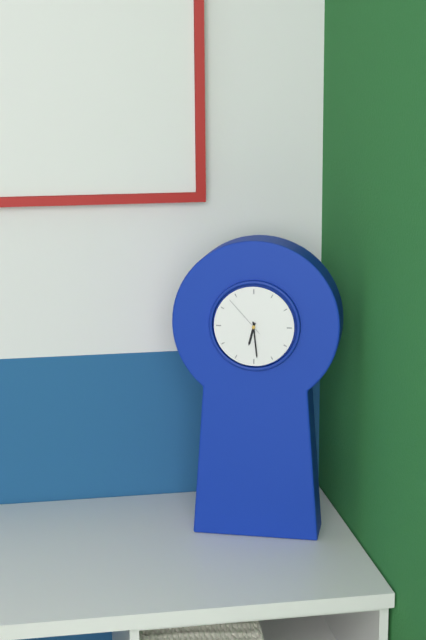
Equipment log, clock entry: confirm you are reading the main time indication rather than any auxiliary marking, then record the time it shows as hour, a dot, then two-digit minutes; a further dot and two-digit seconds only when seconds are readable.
6.29
